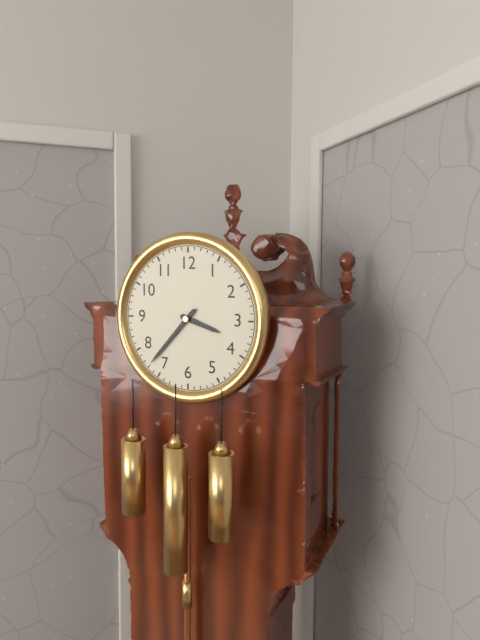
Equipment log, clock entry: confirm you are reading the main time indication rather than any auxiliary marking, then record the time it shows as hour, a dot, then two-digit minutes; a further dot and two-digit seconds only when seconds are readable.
3.37
